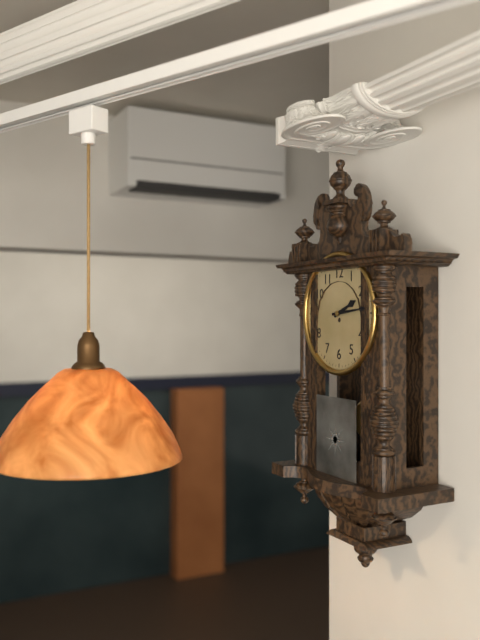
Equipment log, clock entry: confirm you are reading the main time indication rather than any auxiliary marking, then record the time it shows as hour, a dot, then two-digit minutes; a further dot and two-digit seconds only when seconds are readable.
2.14
